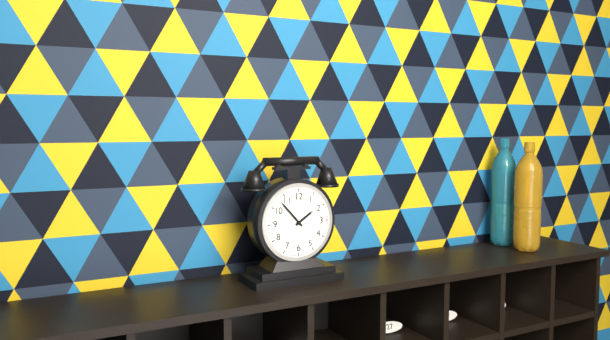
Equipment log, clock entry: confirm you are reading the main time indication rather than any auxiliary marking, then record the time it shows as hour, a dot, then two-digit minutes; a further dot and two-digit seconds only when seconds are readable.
1.53
